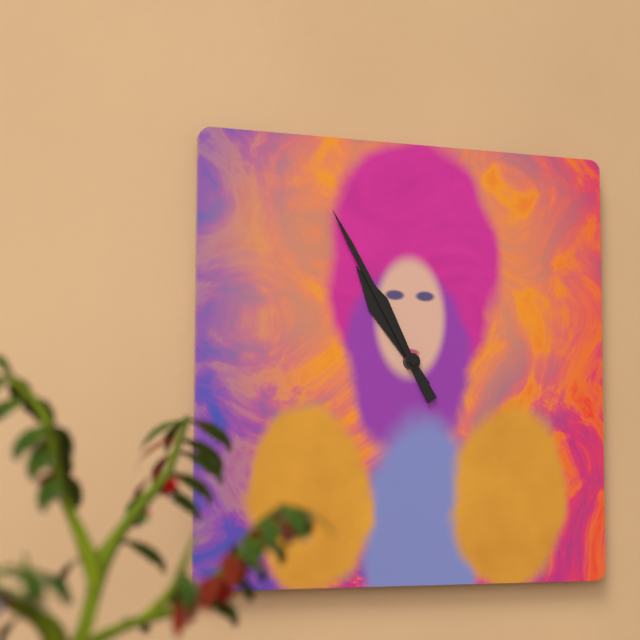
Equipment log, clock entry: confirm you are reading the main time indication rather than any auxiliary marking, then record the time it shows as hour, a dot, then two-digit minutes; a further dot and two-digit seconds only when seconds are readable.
10.55
